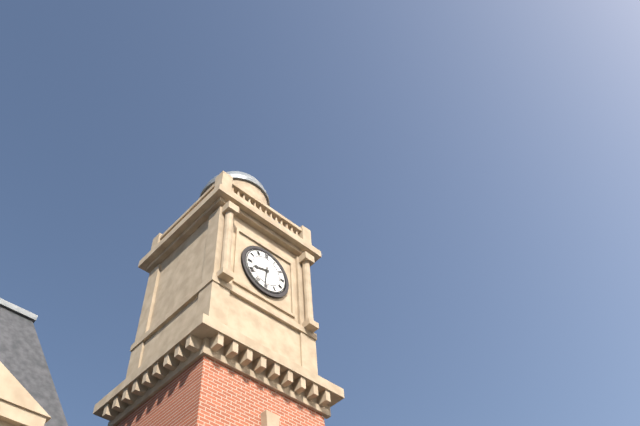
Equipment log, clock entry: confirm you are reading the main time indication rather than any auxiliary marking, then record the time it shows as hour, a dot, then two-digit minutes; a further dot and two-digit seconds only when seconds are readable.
8.31
